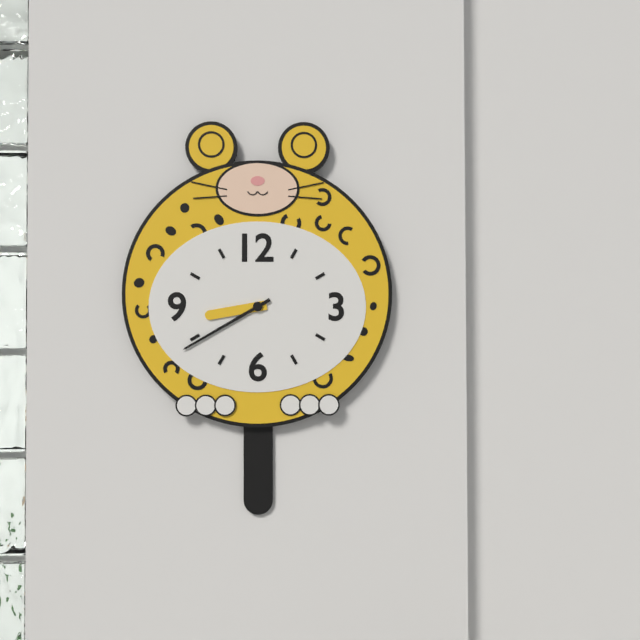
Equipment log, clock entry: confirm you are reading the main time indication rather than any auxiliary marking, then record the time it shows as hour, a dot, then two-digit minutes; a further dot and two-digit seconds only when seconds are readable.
8.40
